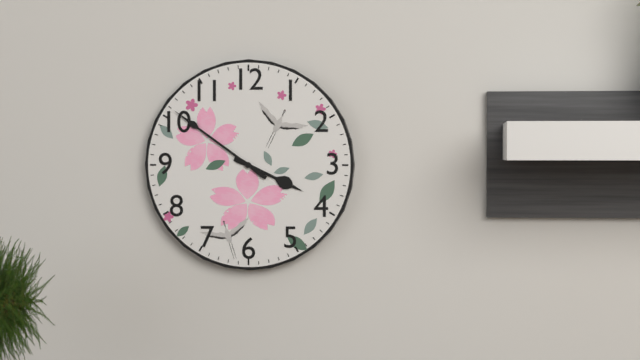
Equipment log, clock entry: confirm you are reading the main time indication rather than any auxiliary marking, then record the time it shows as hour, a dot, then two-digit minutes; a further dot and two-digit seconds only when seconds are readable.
3.51
